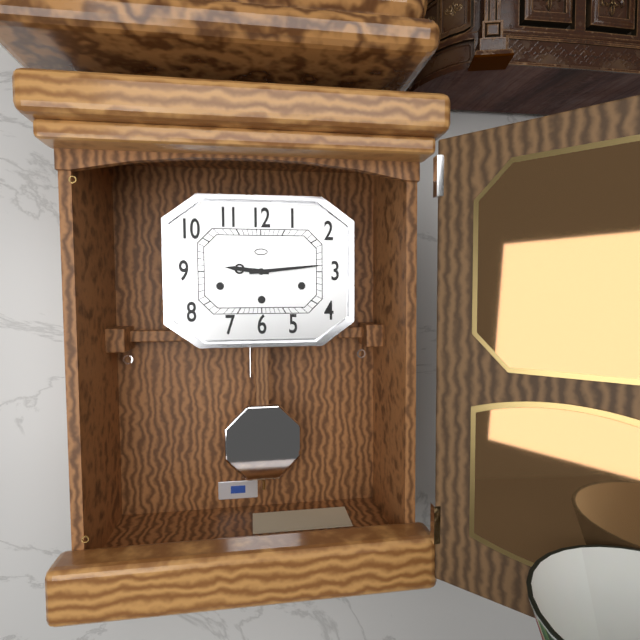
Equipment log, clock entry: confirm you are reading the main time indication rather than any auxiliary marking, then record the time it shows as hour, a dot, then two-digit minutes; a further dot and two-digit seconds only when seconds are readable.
9.14
